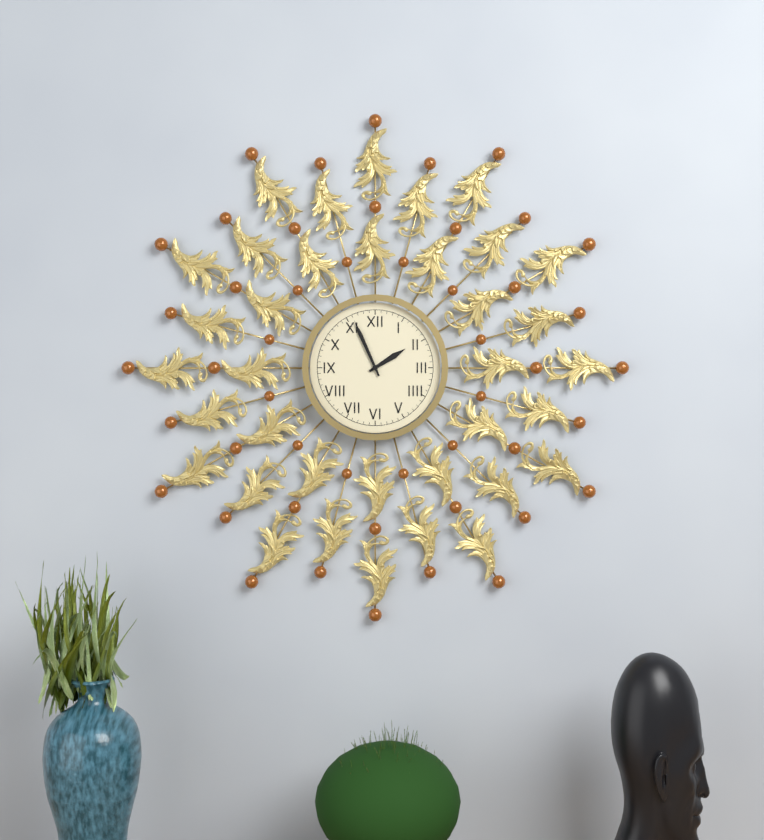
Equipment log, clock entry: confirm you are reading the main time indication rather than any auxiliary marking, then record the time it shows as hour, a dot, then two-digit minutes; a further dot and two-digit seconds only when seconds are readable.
1.56
